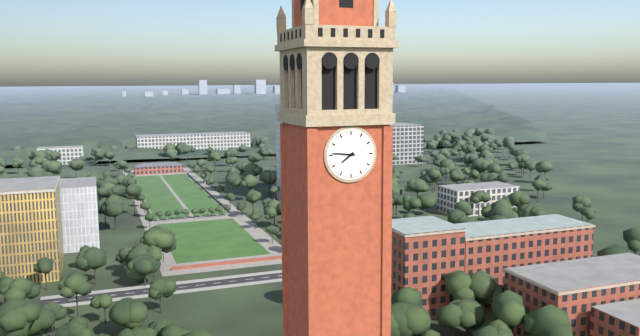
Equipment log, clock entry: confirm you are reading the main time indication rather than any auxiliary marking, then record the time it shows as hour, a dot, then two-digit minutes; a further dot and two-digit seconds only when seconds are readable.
7.46
